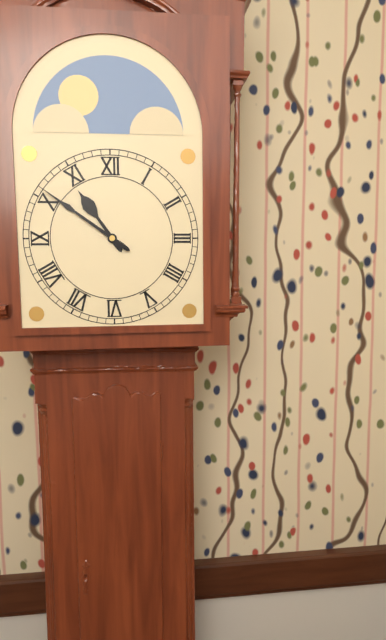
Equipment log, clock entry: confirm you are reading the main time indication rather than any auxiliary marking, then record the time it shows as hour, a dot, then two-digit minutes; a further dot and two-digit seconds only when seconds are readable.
10.51
